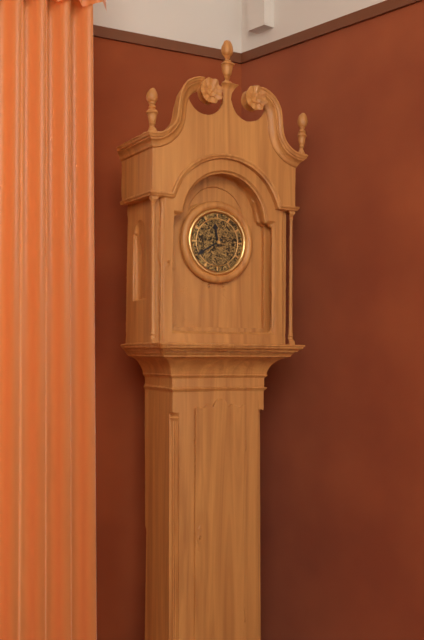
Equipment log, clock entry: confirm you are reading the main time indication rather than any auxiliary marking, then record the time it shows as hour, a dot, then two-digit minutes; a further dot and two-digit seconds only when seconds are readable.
11.40
